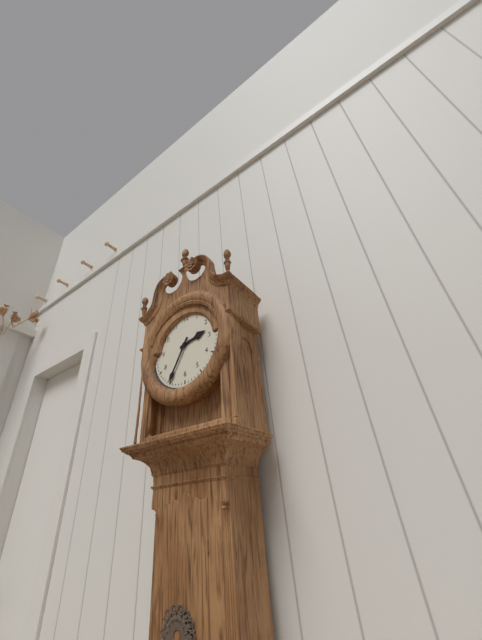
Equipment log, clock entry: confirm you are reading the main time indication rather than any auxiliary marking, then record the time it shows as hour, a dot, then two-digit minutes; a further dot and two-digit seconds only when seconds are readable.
2.35
